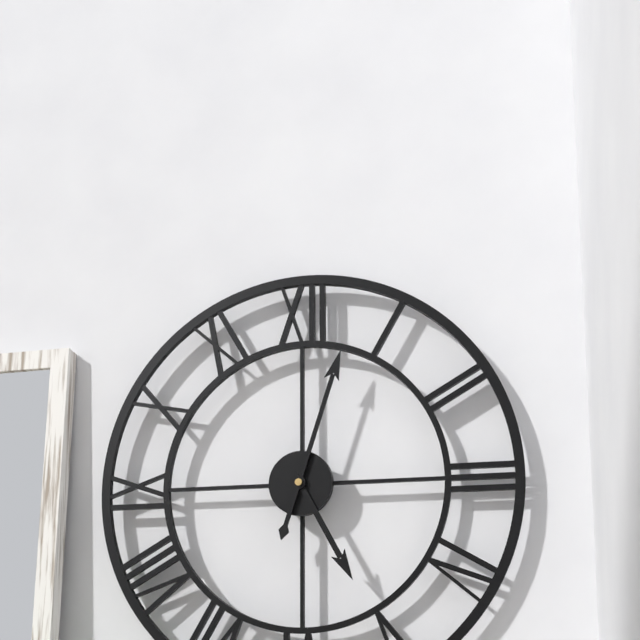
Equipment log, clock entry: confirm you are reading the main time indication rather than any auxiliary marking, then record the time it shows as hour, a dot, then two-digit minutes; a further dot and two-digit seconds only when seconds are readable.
5.03
